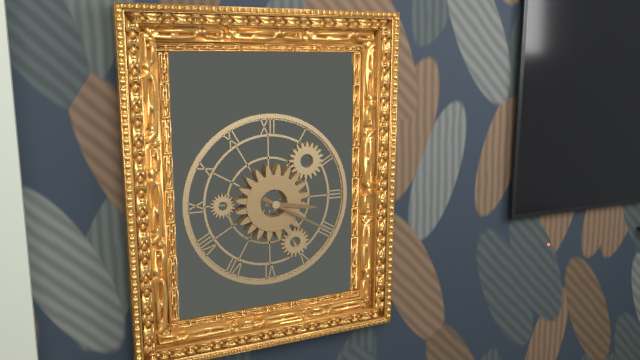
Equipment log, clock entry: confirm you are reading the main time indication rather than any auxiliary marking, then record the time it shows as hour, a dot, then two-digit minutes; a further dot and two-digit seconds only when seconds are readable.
3.20
